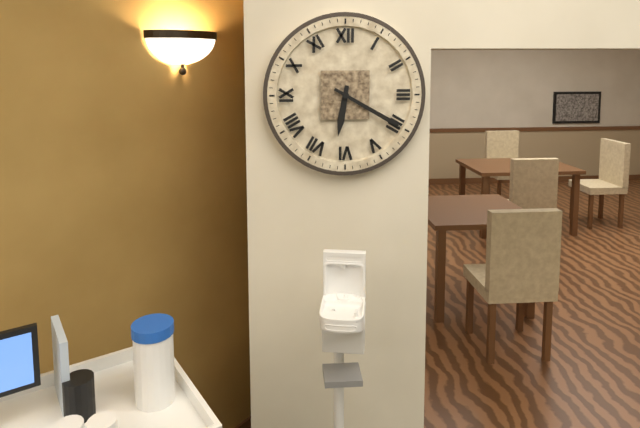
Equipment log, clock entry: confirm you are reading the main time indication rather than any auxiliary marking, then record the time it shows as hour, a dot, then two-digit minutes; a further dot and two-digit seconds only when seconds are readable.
6.20
